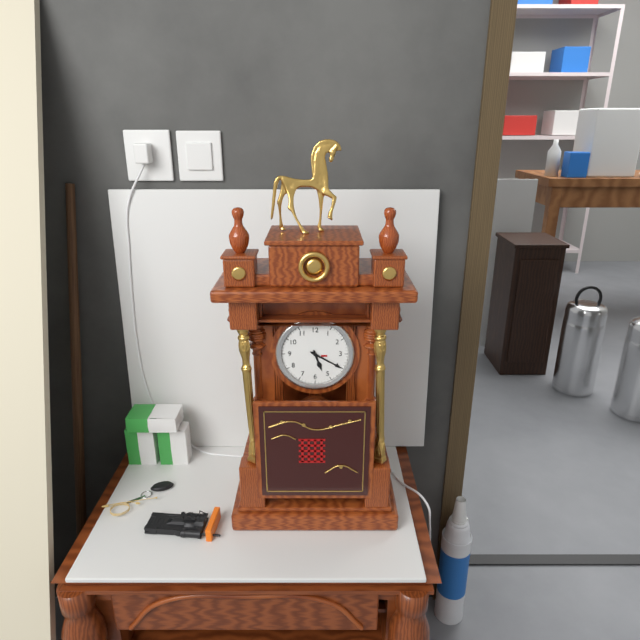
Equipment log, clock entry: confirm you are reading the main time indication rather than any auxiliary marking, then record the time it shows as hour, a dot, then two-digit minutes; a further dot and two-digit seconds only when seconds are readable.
5.20
